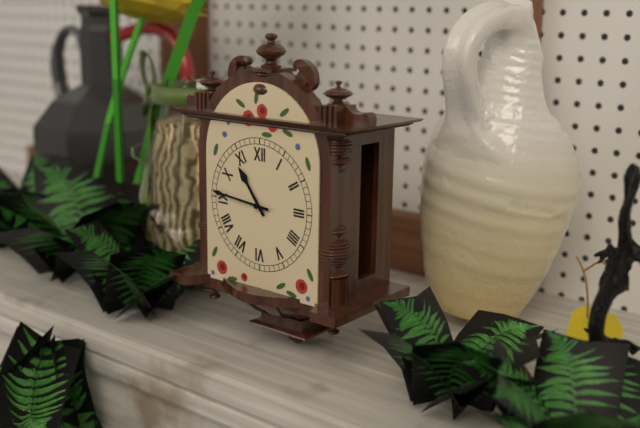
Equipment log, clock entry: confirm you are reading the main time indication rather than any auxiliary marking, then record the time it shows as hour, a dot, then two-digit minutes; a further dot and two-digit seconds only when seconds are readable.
10.46
